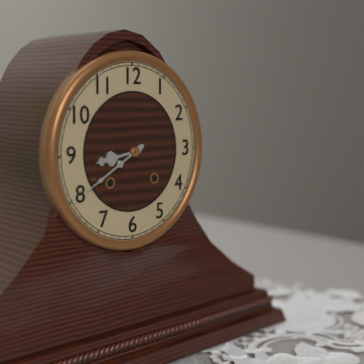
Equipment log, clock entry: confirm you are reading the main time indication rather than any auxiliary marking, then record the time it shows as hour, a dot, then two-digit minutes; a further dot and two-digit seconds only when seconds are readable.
8.40
